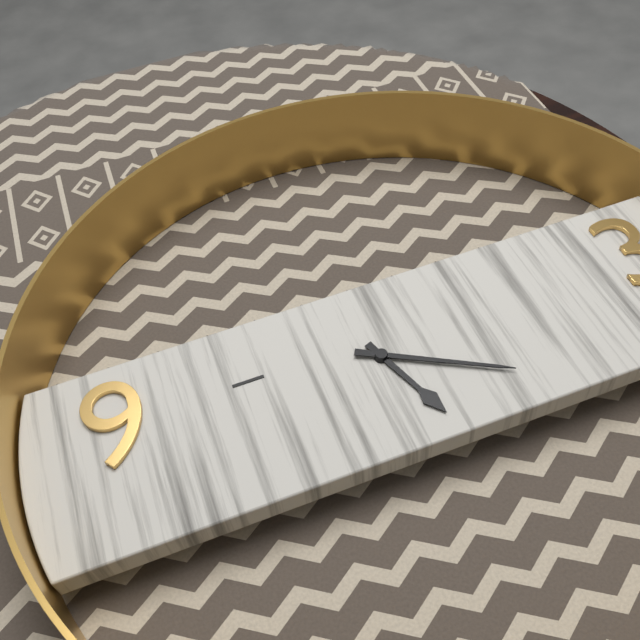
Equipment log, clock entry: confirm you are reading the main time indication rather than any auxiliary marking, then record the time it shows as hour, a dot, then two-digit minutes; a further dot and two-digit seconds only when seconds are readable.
5.20
